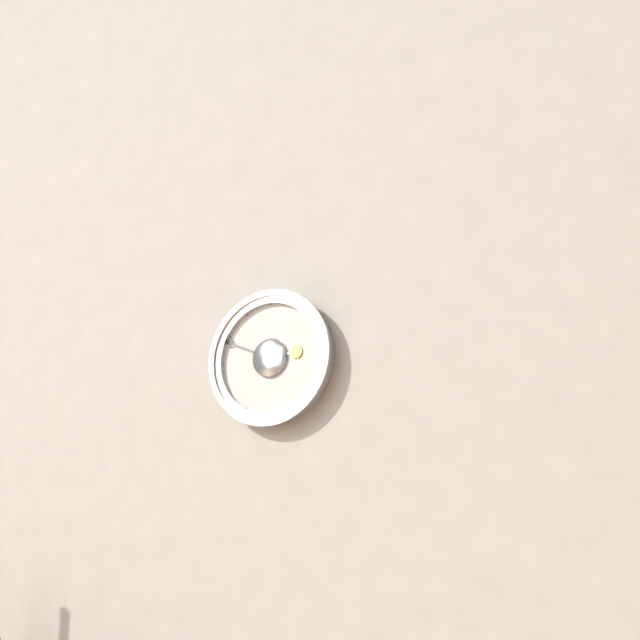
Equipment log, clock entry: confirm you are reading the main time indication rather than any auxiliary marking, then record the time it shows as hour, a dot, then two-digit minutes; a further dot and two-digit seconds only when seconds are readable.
2.49
